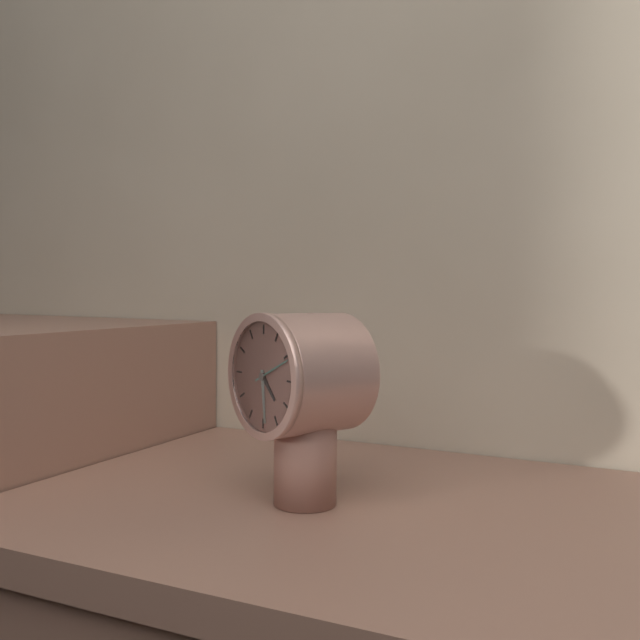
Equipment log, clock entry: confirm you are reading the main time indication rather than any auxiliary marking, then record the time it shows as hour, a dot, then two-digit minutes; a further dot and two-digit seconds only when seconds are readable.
4.29
